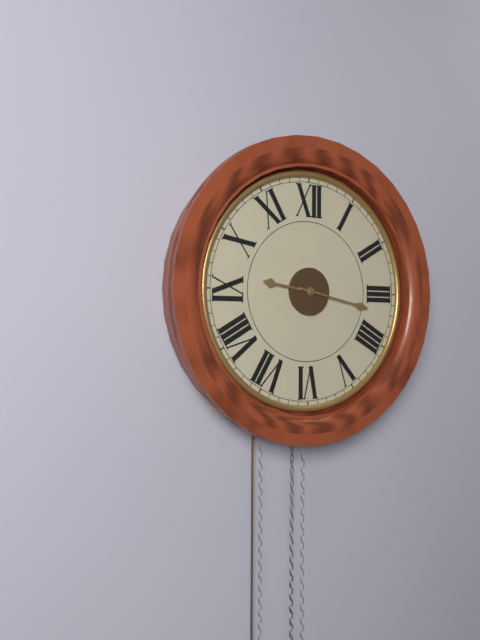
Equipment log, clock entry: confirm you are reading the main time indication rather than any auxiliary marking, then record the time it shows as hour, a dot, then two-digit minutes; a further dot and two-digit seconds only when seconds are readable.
9.17
